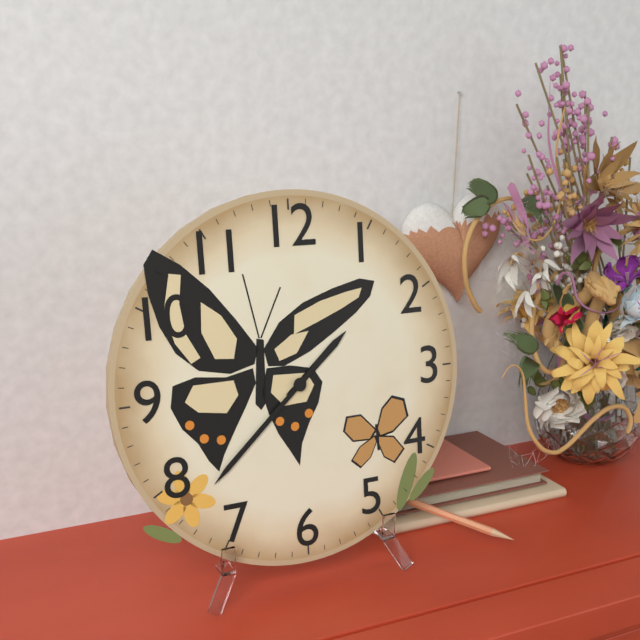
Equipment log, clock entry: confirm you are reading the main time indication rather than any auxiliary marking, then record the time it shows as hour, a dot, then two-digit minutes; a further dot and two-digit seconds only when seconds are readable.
1.38
